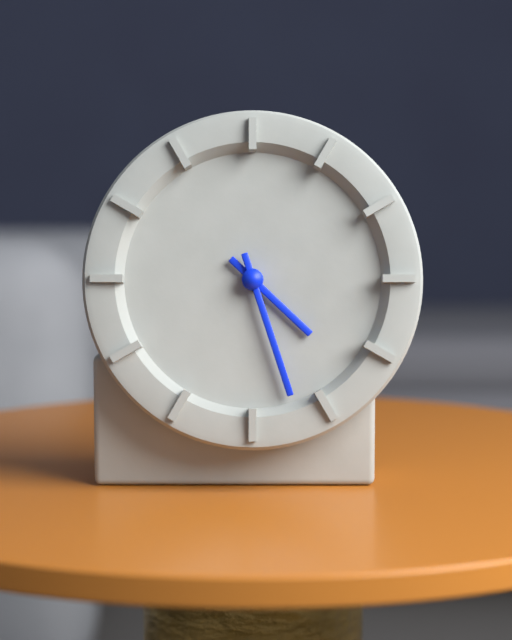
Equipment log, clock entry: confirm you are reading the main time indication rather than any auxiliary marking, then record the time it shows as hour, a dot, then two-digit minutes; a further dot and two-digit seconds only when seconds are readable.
4.27
